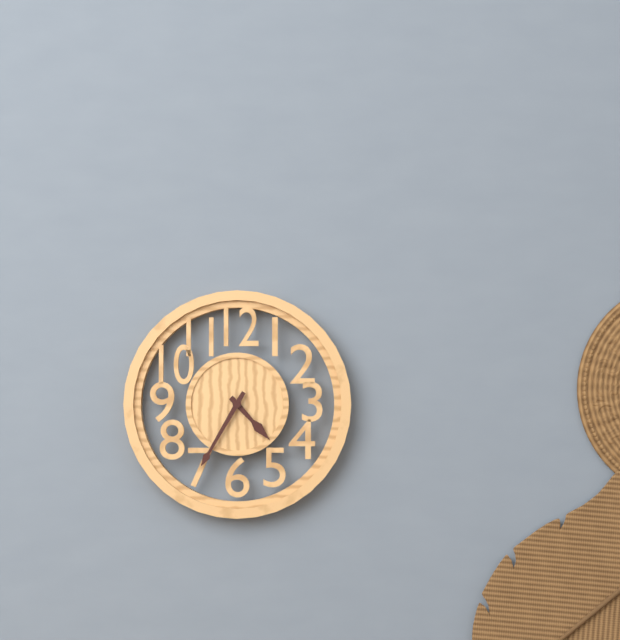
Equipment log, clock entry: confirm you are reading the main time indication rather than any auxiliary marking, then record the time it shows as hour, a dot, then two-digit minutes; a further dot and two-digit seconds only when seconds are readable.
4.35
